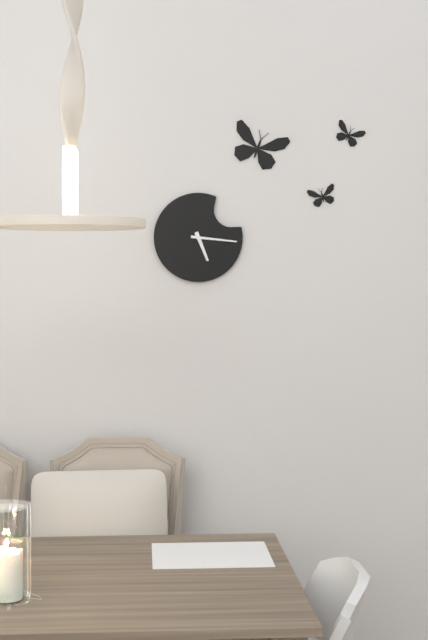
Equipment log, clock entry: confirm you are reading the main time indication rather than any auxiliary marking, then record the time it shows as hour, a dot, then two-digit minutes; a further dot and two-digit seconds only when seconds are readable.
5.16
